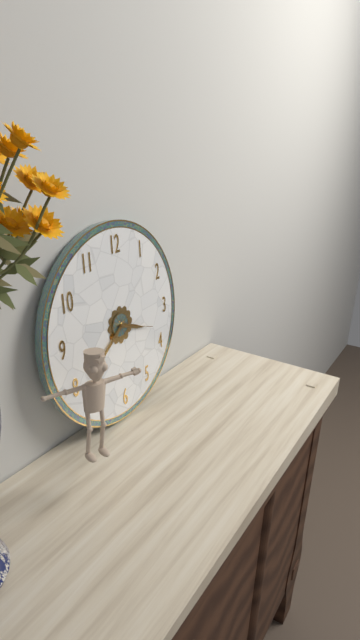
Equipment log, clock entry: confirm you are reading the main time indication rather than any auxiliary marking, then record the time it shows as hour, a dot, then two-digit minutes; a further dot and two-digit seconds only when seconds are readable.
3.39
